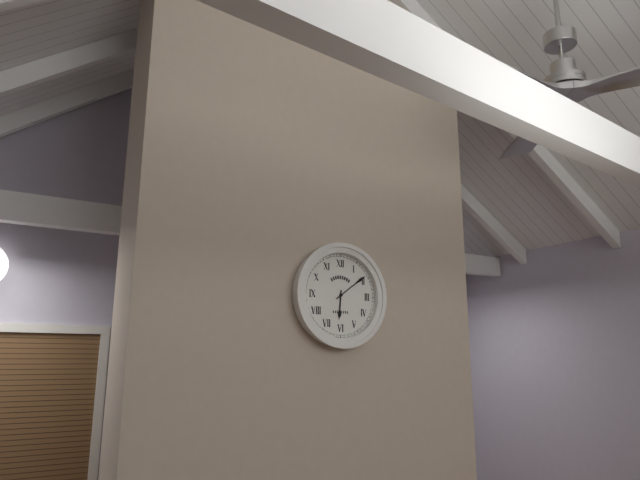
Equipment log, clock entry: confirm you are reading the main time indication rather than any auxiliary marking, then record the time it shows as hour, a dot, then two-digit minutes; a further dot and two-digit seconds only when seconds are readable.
6.09
